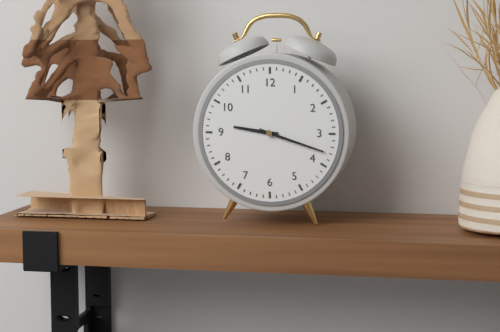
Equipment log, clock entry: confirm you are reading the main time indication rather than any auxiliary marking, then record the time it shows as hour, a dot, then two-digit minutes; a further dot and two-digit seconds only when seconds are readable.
9.18
